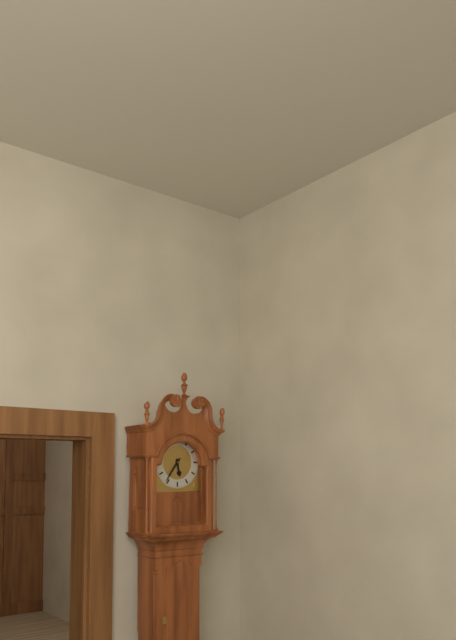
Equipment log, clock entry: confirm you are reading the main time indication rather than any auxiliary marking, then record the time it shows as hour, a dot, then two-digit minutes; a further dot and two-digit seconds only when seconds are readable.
5.36
